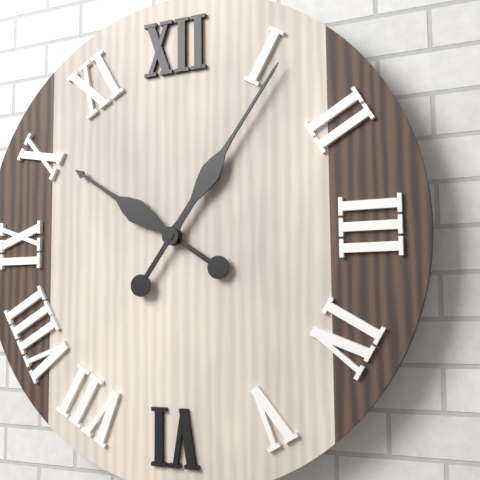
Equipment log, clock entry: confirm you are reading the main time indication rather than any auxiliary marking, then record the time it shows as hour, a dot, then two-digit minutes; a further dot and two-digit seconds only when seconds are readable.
10.06
